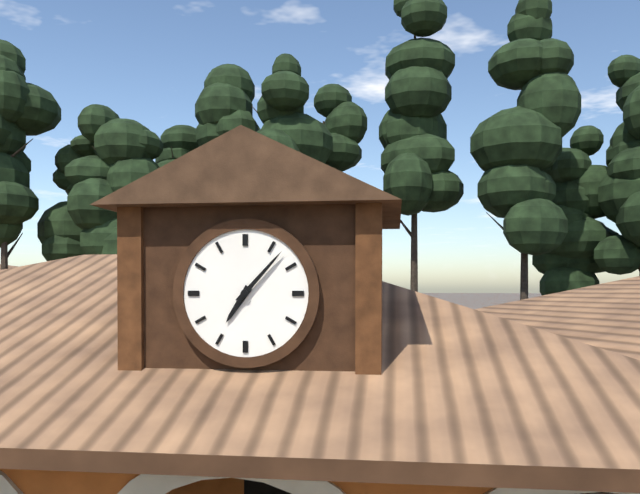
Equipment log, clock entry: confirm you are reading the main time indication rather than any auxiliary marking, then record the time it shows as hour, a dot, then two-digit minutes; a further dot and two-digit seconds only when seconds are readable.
7.07
